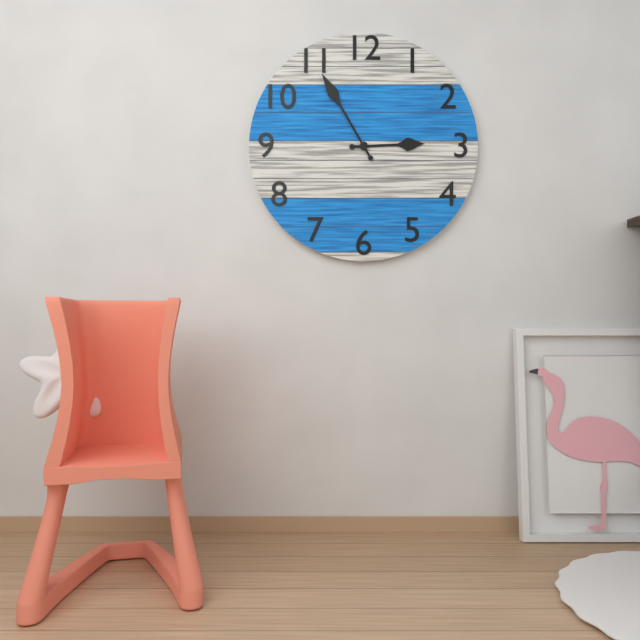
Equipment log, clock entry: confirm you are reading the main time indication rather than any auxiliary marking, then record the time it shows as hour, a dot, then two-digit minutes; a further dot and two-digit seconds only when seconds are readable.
2.55
